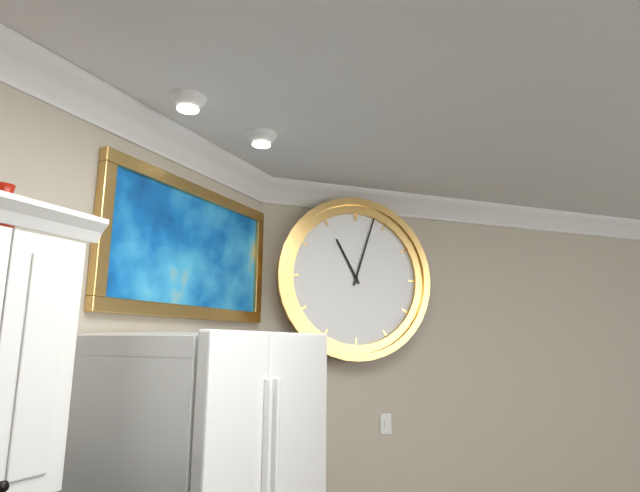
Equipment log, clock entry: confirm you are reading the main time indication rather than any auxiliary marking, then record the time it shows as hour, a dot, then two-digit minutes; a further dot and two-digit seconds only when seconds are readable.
11.03
